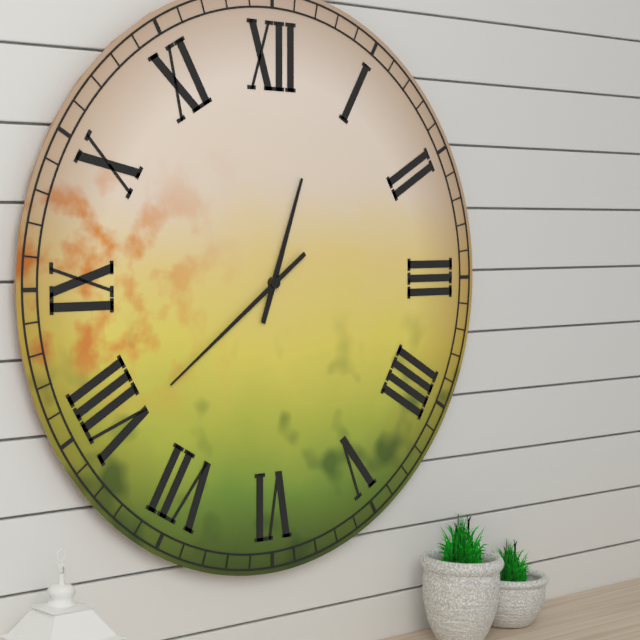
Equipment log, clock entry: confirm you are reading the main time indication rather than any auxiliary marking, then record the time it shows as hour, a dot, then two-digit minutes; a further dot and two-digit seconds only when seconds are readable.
12.39
